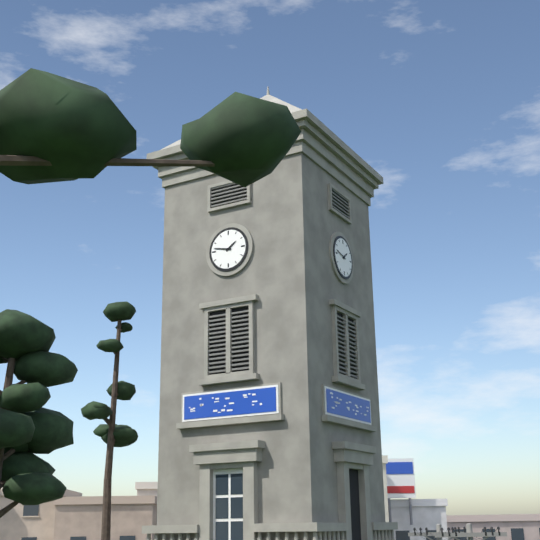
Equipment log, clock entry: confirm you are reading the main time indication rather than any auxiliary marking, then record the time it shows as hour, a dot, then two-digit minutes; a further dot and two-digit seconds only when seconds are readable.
1.47
